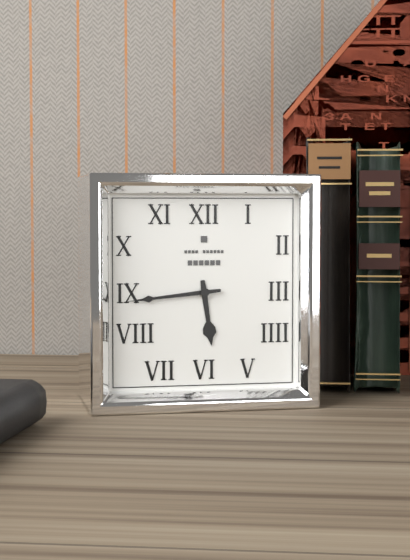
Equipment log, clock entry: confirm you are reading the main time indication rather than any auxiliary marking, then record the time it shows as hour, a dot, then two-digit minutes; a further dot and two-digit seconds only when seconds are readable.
5.44
